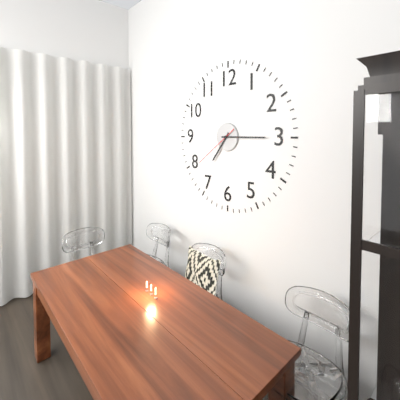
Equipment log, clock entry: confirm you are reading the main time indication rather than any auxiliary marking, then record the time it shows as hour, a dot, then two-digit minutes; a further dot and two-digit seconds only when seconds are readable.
7.15
